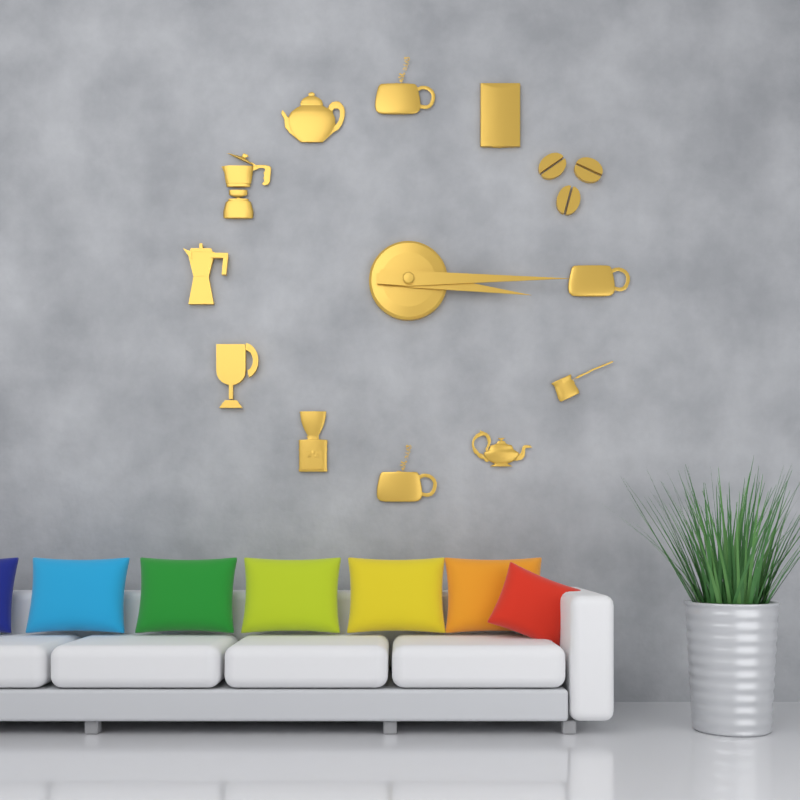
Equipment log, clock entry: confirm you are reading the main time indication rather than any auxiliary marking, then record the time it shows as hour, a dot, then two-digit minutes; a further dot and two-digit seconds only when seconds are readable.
3.15
